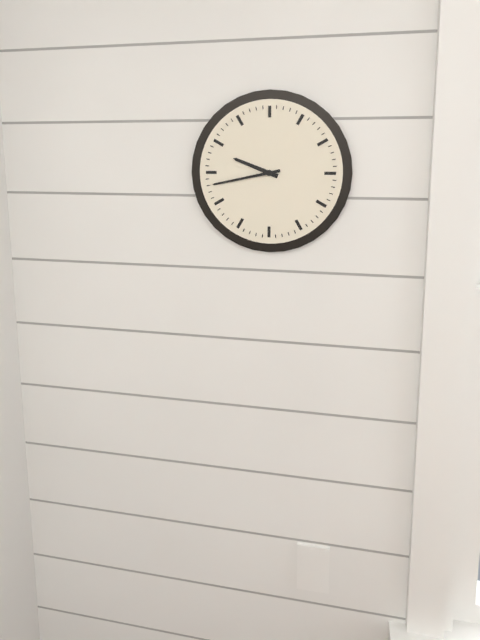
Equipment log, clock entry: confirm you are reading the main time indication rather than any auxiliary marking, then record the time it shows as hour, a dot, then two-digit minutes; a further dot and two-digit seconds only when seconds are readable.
9.43
